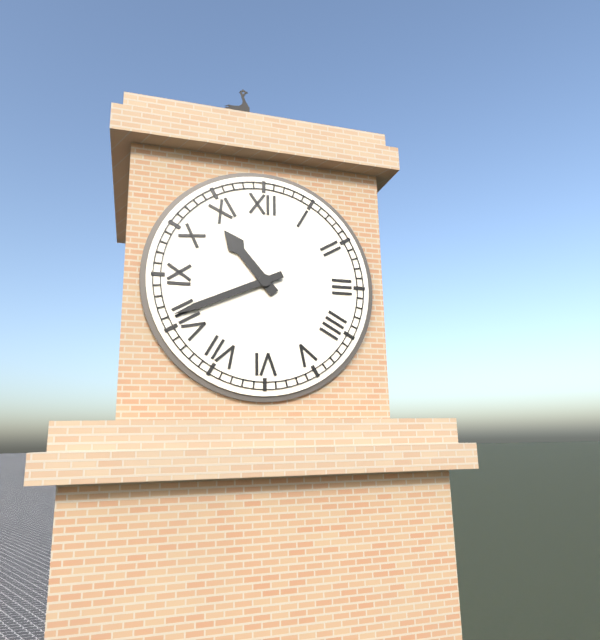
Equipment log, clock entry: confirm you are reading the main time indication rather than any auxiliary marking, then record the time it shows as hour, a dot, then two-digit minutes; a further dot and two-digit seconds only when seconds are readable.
10.41
